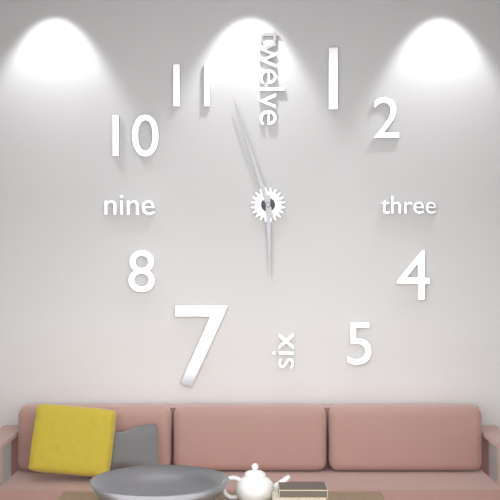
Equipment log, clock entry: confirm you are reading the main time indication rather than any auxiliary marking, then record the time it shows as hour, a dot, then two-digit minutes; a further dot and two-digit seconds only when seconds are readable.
5.57
